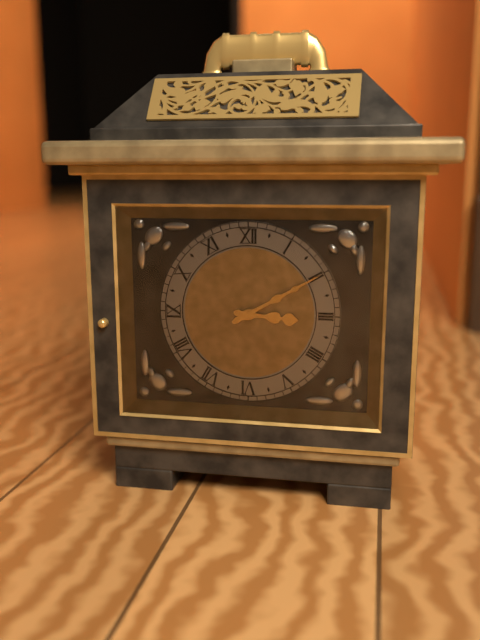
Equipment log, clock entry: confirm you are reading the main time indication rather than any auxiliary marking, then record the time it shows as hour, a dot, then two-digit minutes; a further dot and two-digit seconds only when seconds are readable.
3.10
